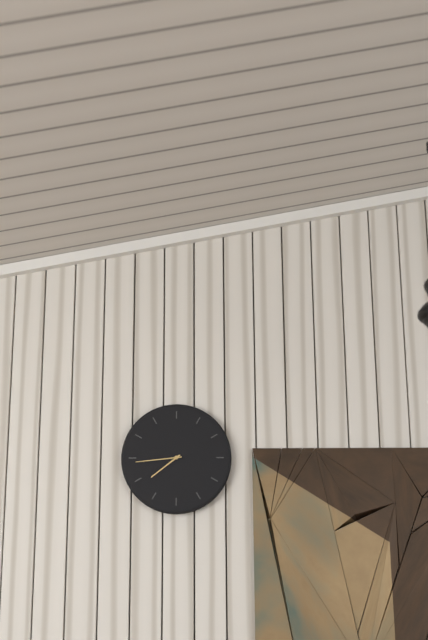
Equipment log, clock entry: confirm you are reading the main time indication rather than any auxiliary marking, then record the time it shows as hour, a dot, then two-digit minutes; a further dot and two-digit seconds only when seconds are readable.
7.44
